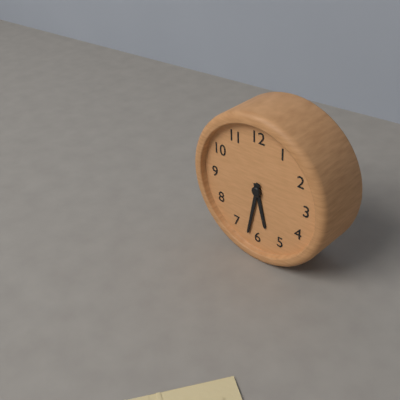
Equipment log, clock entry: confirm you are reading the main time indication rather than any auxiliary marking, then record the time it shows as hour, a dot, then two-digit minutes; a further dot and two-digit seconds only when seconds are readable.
5.32
